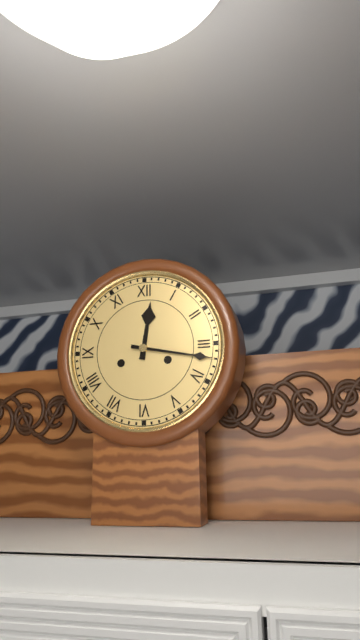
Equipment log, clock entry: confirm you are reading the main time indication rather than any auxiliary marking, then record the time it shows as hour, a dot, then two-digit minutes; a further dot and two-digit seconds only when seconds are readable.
12.17
